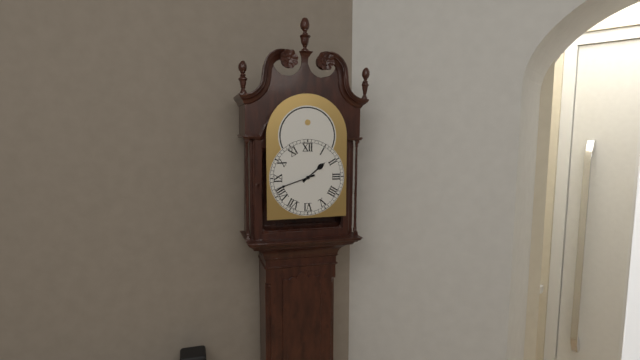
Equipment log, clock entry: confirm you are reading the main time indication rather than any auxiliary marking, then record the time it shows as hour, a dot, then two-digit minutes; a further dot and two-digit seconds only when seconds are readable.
1.42
